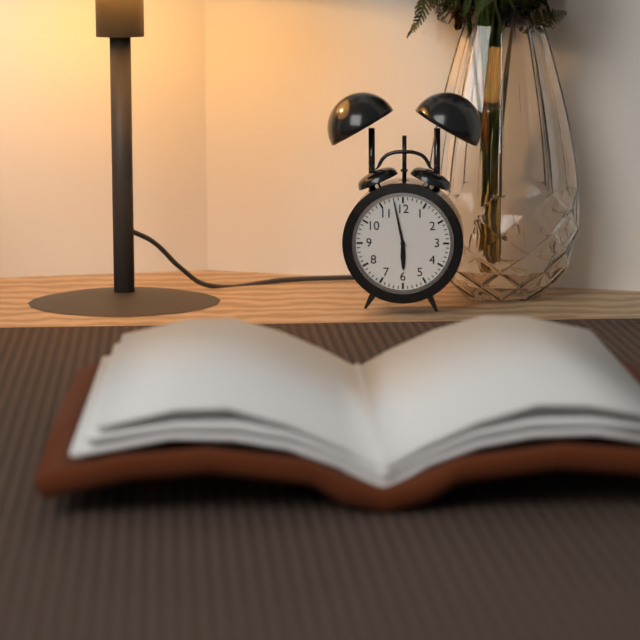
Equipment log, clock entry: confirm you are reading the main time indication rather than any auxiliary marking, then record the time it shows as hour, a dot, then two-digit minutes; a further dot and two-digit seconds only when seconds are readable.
5.58
